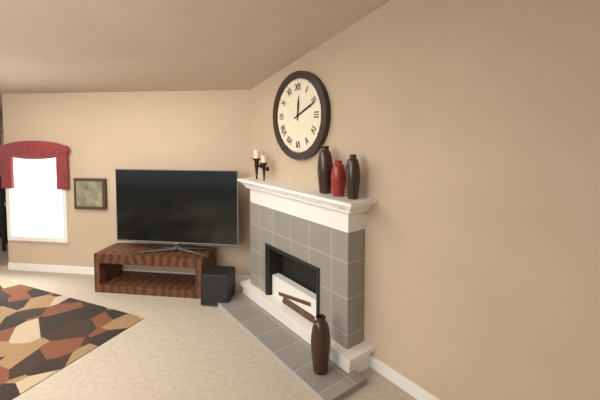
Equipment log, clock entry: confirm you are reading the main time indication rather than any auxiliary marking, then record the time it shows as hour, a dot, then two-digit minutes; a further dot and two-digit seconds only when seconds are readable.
12.11
